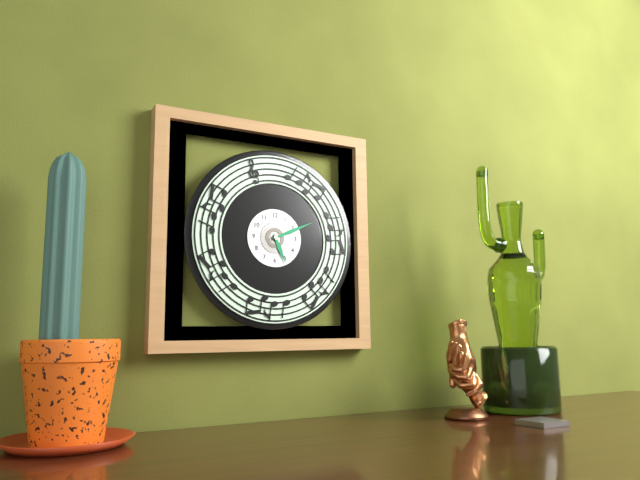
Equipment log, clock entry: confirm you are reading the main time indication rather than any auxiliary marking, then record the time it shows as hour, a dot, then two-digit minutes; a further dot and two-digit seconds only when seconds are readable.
5.11
